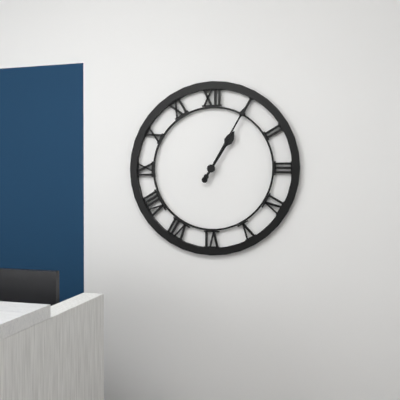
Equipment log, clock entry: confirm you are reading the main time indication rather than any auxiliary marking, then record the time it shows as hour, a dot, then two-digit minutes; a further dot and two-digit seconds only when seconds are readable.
1.05
